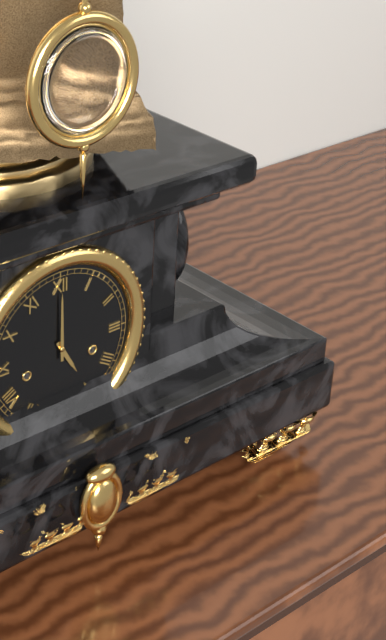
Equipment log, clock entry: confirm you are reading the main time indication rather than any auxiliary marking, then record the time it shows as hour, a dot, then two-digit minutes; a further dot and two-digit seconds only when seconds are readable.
5.00
